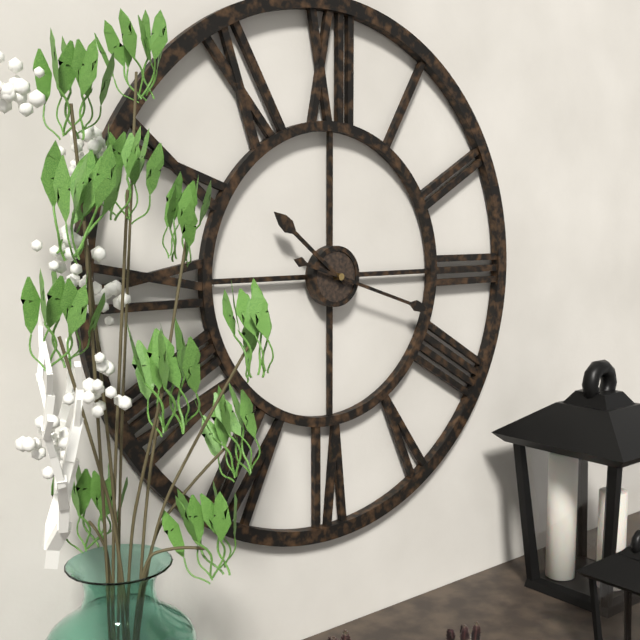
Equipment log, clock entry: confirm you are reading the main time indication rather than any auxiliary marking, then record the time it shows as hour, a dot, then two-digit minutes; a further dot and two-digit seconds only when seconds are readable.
10.18
